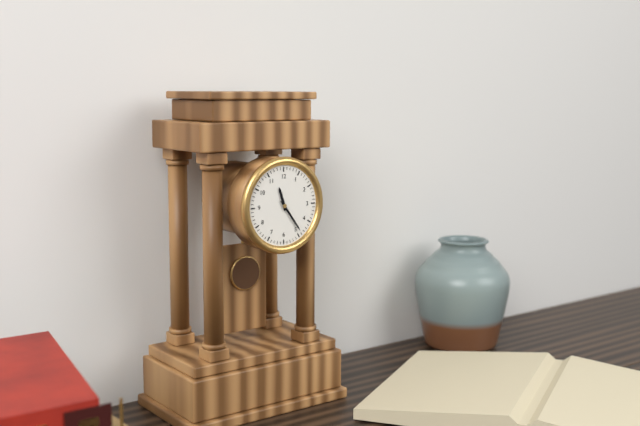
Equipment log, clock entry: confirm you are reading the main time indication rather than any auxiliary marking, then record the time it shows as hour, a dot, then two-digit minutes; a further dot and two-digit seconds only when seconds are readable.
11.24
